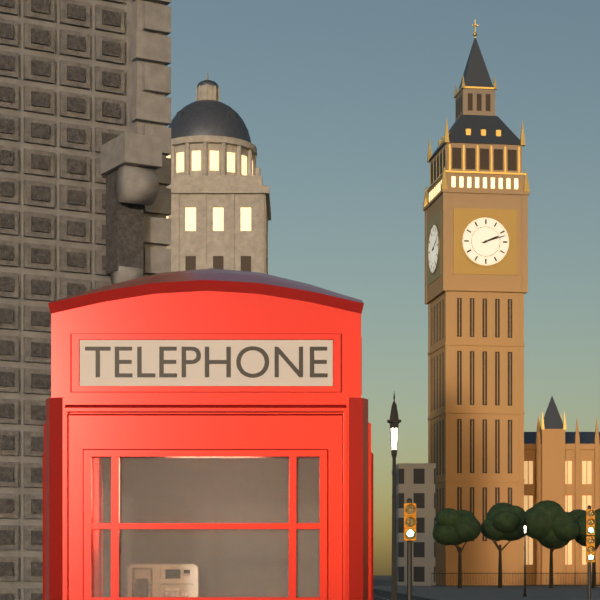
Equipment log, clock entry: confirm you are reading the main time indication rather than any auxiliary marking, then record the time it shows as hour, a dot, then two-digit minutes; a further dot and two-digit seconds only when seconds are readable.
2.12
